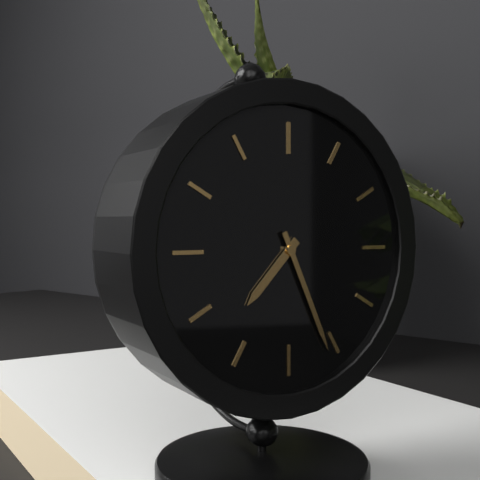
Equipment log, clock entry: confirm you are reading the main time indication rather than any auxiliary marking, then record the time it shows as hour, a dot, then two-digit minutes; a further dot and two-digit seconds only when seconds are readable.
7.26
